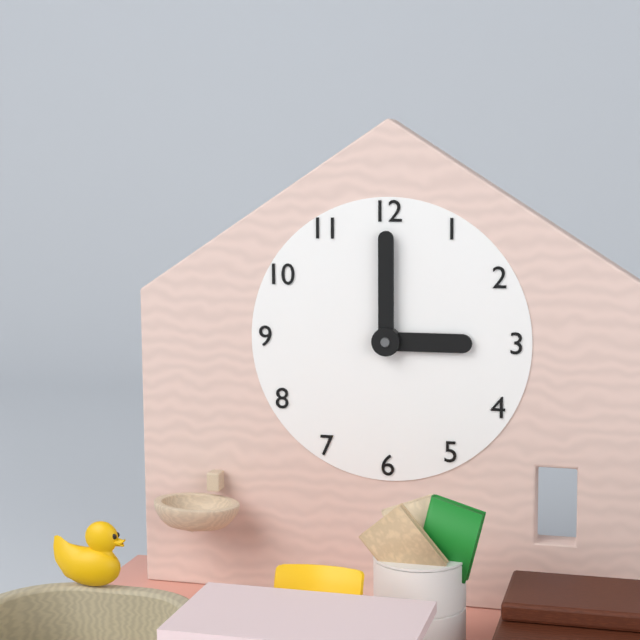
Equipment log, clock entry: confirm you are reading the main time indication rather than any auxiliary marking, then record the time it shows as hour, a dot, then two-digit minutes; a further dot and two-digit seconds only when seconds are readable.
3.00
